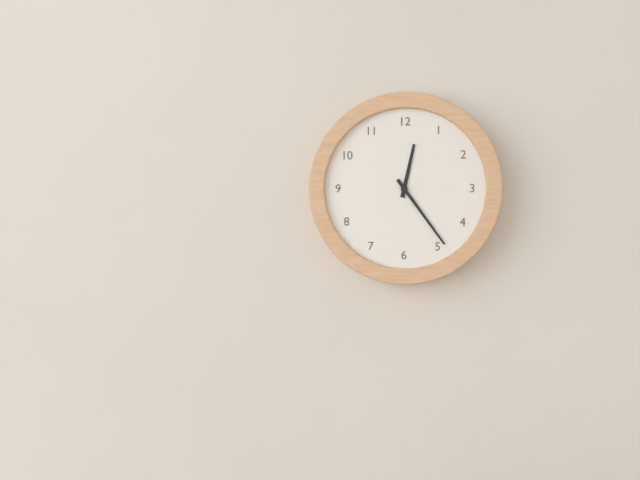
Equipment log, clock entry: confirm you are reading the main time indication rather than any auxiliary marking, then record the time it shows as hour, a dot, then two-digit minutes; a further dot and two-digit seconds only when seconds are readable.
12.24
